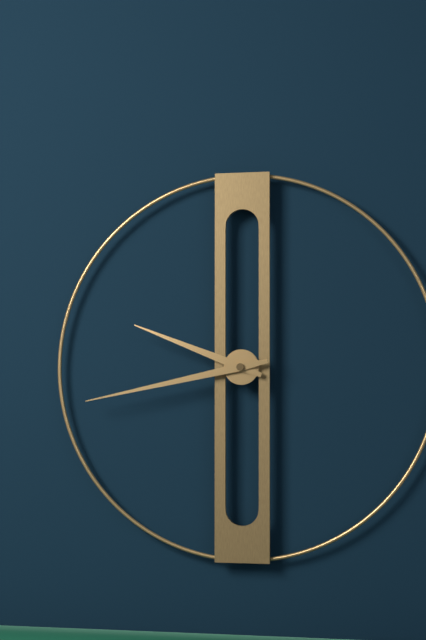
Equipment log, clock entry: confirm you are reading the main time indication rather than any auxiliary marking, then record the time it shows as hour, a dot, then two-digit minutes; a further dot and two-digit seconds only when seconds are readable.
9.43
